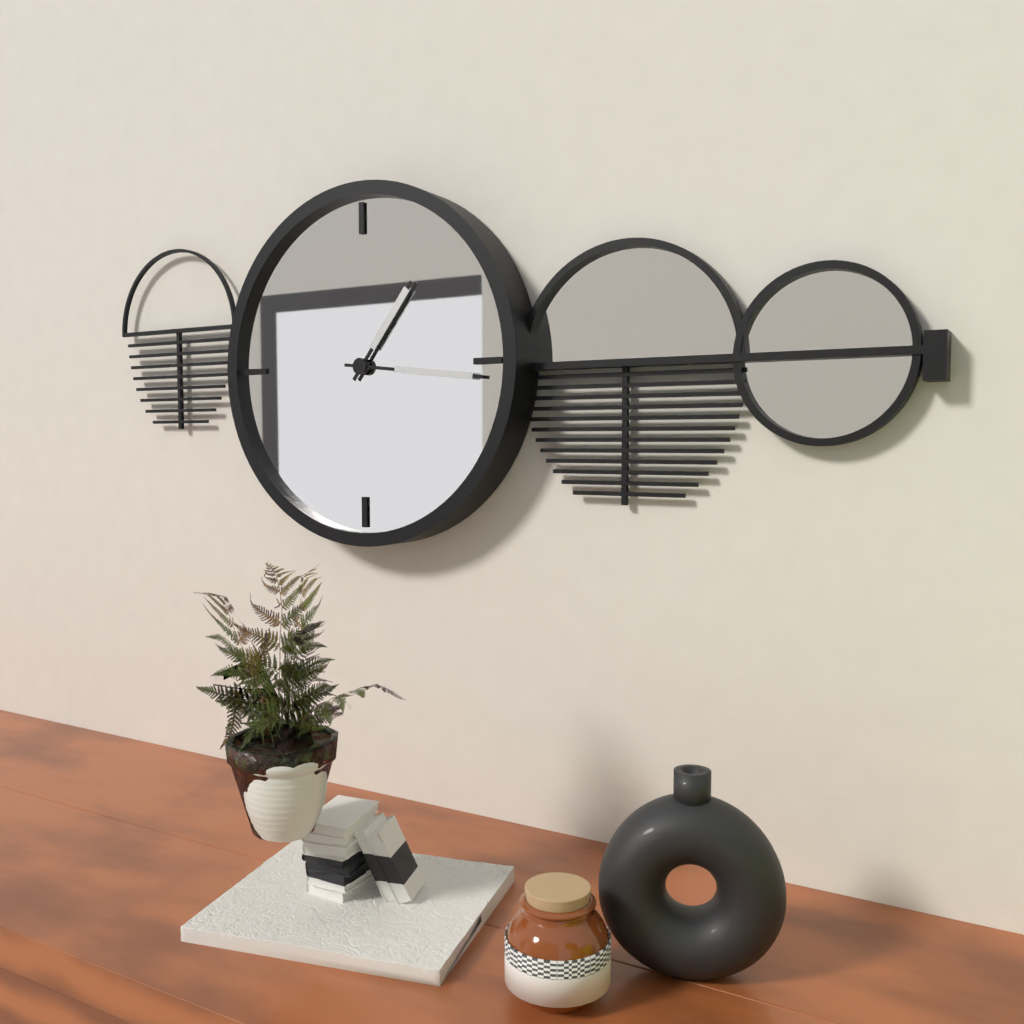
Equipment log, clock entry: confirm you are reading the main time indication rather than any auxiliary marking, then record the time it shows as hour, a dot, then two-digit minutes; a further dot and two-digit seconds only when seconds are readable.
1.16
